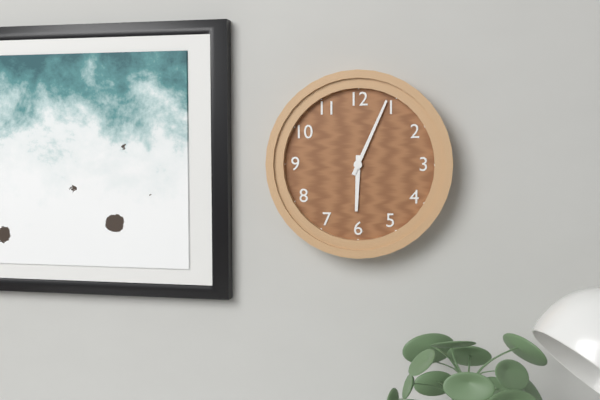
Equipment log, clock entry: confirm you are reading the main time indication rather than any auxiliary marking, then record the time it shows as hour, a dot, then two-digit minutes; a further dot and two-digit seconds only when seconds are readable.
6.04
